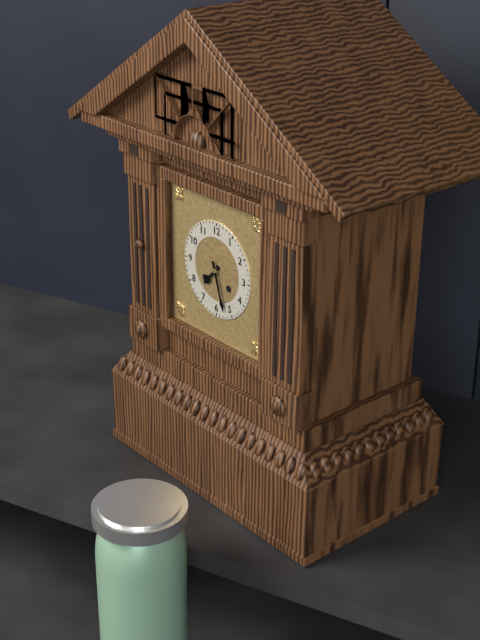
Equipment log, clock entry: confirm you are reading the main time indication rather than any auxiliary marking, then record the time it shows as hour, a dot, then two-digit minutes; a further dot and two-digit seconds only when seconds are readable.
7.27
